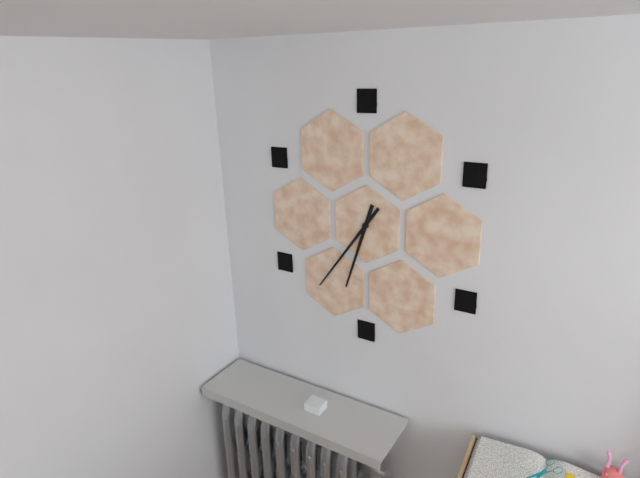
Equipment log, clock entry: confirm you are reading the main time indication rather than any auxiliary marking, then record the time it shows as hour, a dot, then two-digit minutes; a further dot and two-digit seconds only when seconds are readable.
6.36
